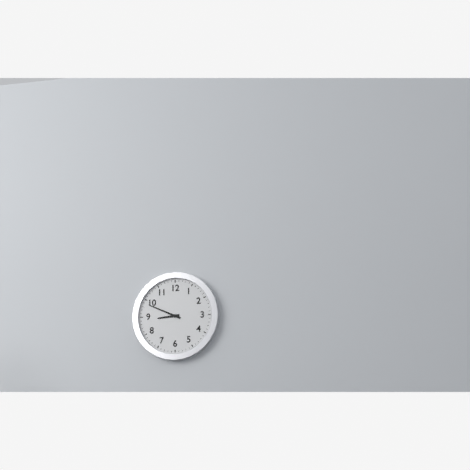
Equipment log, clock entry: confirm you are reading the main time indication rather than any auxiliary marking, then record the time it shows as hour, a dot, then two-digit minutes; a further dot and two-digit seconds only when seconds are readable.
8.49
